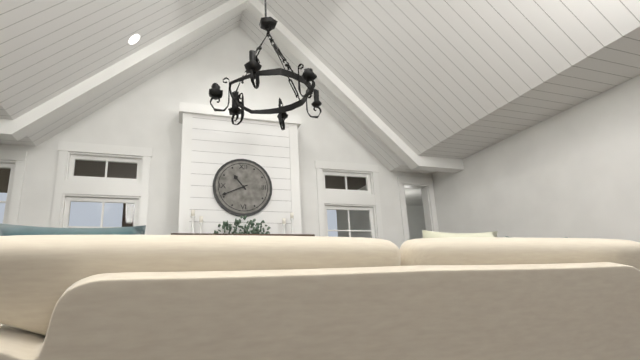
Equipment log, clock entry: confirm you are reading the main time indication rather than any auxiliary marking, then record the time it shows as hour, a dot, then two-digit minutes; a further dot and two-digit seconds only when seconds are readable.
10.41
